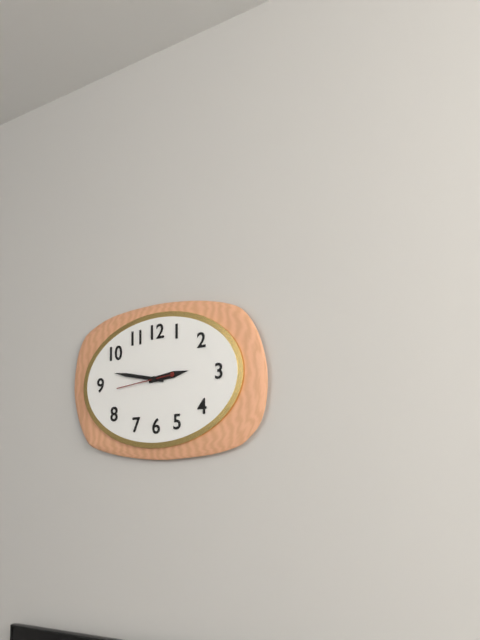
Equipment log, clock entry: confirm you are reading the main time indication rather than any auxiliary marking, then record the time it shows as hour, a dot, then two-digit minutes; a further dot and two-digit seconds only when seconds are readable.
2.47
